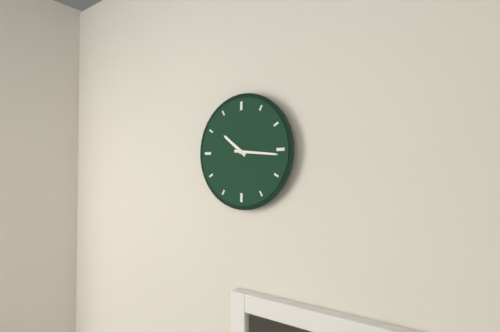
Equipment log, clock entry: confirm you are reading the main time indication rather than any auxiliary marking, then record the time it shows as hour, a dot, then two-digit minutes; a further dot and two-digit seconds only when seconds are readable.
10.16
